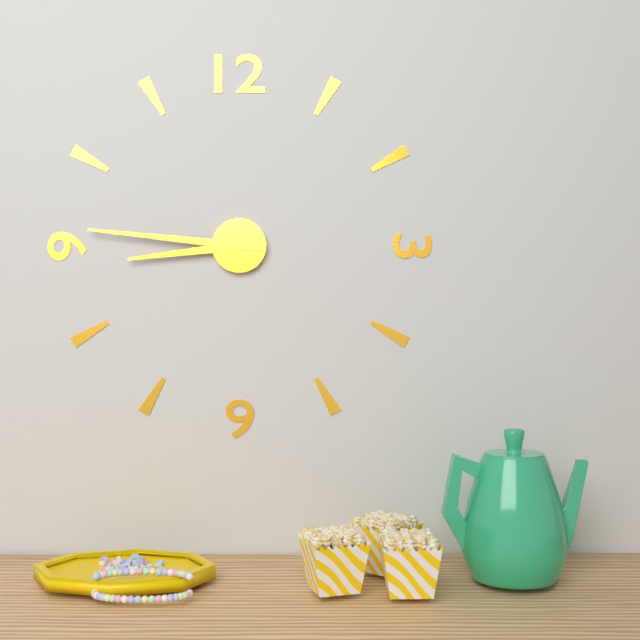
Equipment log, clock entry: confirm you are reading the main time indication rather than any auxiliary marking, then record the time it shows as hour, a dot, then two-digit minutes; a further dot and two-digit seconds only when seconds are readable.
8.46
